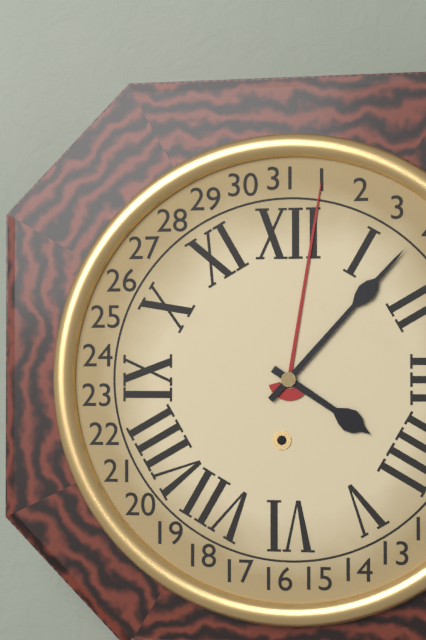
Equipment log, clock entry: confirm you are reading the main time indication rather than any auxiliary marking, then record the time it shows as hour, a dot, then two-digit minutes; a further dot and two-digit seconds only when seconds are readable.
4.07
